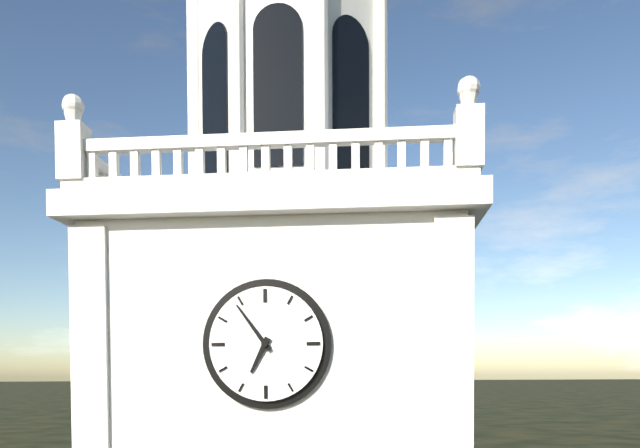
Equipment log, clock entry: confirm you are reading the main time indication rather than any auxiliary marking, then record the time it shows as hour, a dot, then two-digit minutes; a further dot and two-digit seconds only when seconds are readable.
6.54
